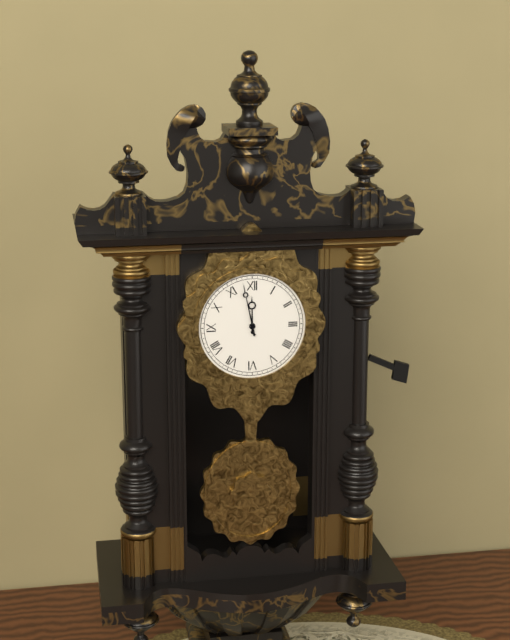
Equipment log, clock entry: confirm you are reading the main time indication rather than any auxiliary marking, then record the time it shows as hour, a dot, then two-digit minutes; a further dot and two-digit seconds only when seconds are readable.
11.58
